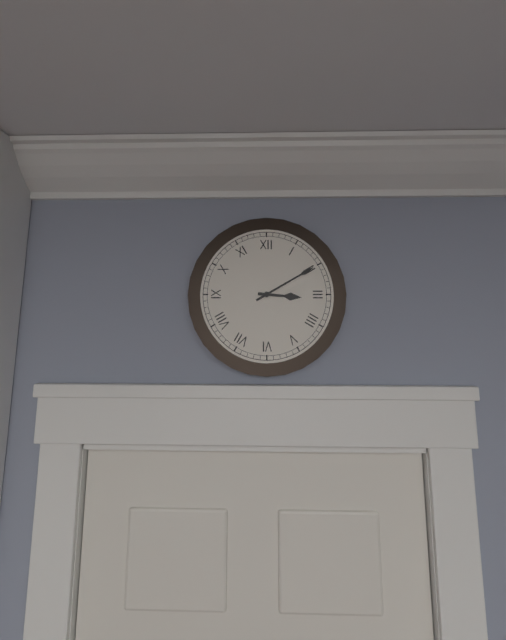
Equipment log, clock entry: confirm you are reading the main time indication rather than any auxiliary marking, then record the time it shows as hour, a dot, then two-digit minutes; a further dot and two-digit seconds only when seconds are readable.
3.10
